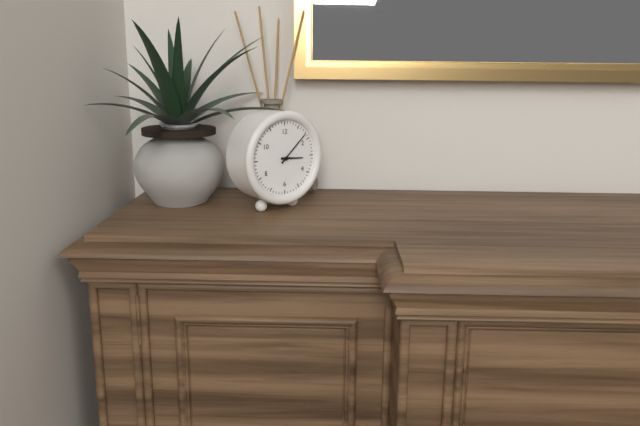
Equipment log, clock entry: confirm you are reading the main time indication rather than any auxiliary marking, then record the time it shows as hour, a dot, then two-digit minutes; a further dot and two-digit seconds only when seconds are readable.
3.08
